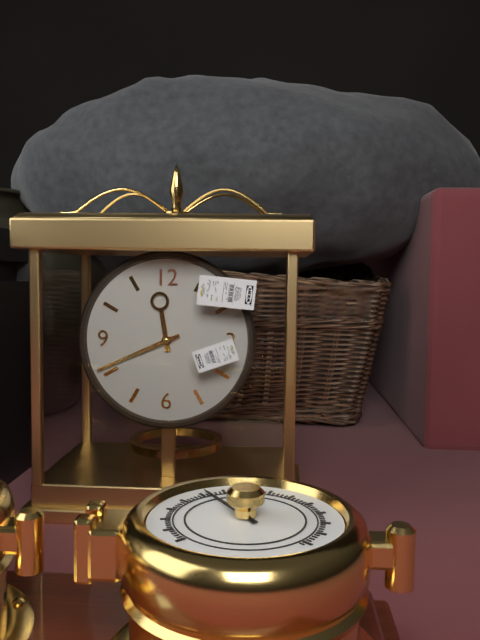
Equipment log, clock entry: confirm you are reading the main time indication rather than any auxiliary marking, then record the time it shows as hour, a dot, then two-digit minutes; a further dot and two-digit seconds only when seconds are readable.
11.41
